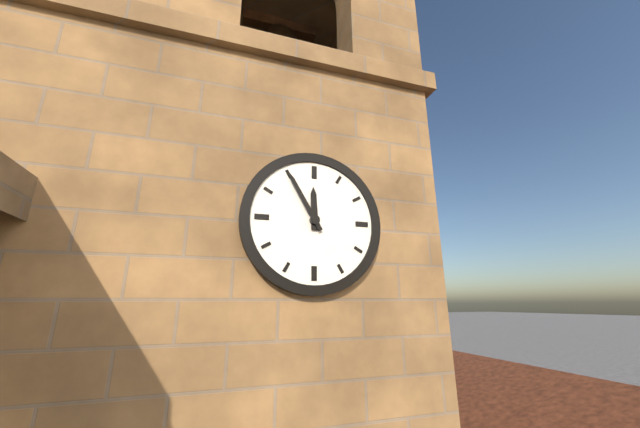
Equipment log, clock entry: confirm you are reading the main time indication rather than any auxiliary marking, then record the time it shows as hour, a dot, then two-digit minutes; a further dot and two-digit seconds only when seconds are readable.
11.55
